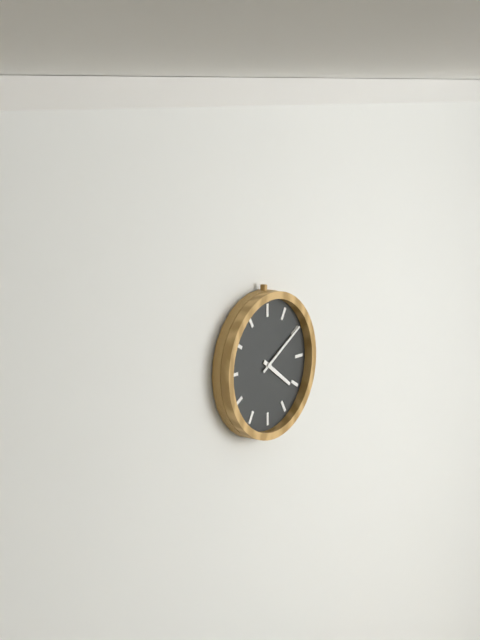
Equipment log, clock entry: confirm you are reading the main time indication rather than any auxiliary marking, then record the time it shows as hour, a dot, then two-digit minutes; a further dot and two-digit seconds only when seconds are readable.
4.10
